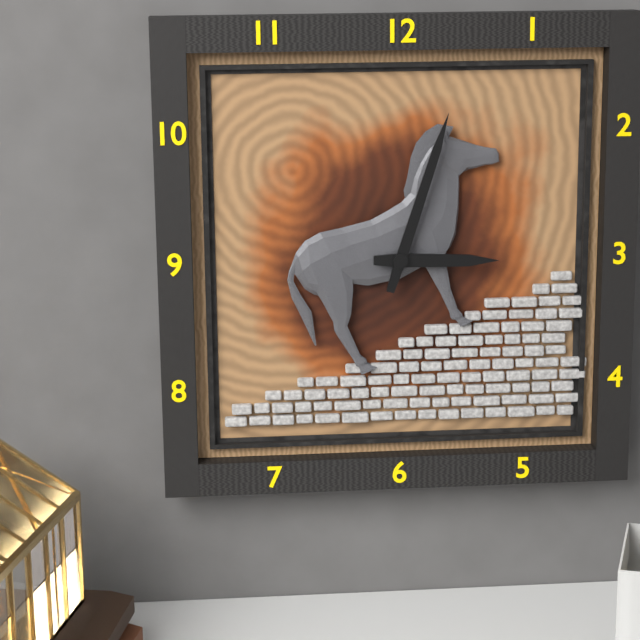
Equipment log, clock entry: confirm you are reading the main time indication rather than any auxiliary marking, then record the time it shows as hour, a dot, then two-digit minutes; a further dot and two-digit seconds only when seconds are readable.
3.03
